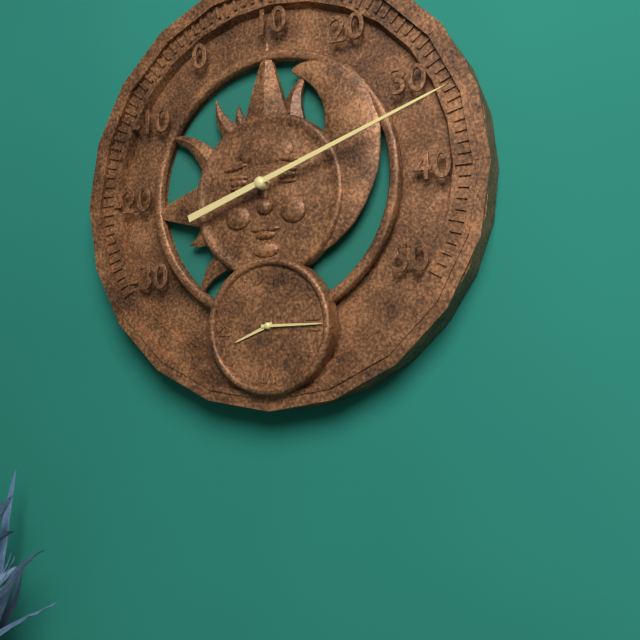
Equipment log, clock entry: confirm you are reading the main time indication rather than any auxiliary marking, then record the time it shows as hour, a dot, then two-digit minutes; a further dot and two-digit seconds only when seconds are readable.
8.15
